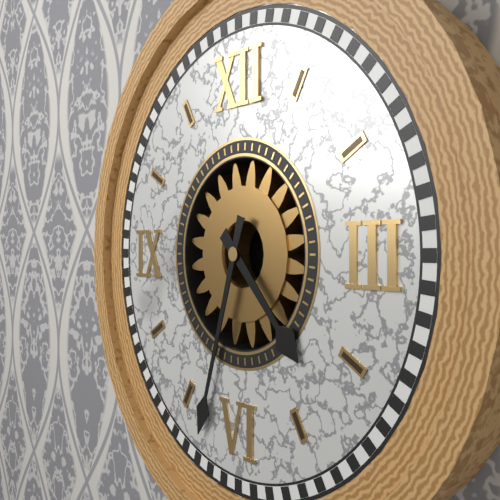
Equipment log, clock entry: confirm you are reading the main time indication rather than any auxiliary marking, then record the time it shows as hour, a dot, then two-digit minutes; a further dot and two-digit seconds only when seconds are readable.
4.33
